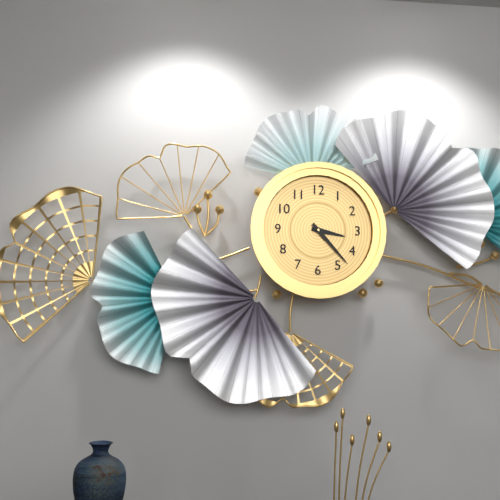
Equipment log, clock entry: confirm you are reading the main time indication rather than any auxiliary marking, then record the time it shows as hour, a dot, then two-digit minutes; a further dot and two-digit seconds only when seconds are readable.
3.23
